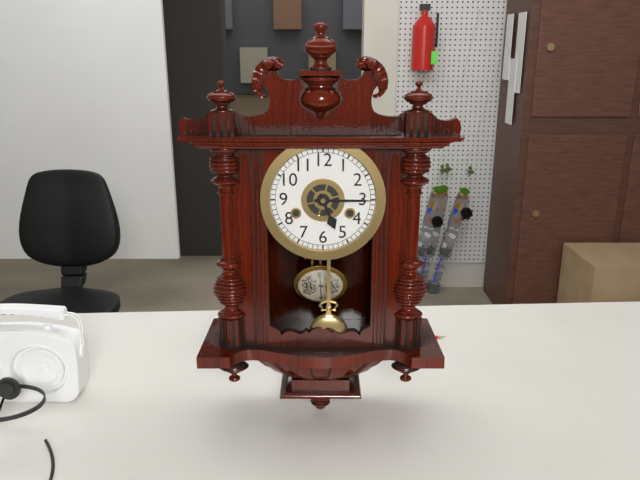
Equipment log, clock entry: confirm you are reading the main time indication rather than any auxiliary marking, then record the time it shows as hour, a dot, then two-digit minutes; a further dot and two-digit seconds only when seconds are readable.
5.15
